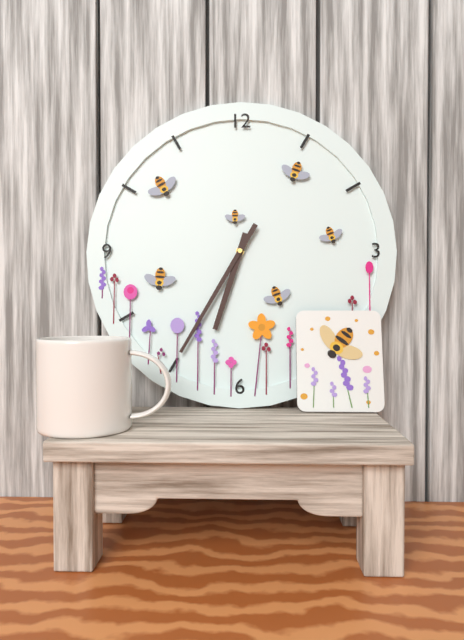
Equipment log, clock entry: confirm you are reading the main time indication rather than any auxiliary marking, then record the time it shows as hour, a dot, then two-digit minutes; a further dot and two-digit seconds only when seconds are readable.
6.35
